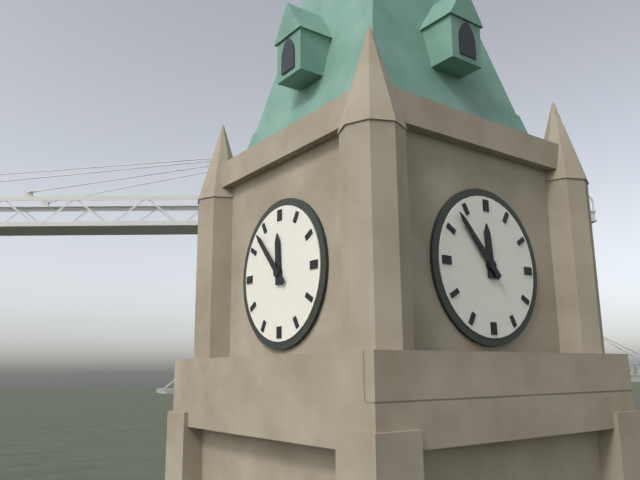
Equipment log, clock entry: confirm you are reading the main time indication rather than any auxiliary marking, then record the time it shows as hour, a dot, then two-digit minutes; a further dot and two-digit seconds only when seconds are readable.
11.53
